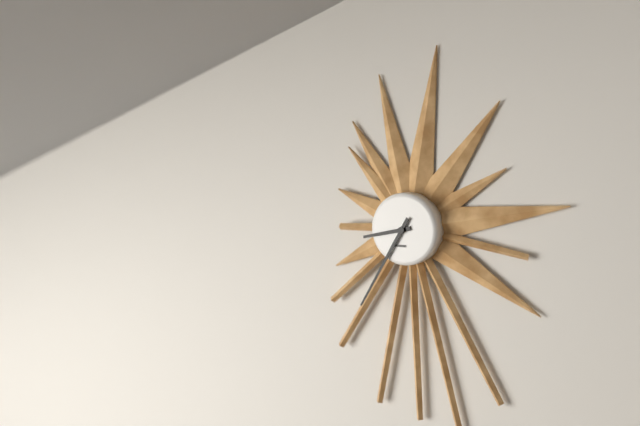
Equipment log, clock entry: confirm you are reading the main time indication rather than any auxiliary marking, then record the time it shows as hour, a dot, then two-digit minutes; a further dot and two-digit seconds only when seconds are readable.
8.35
